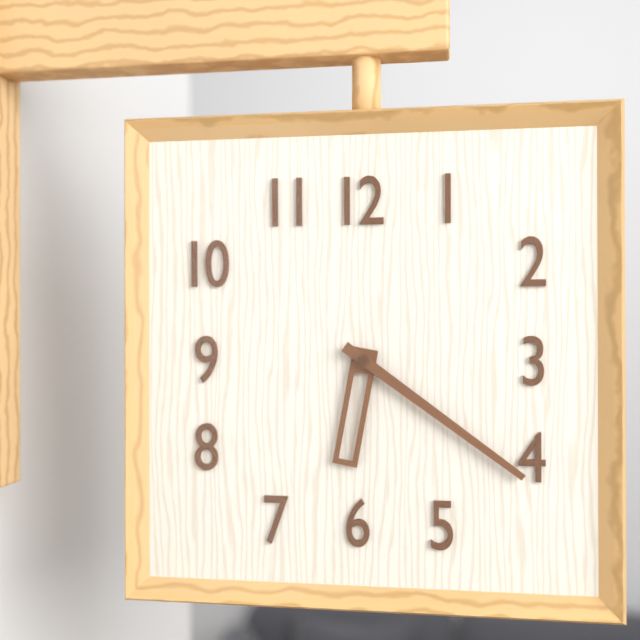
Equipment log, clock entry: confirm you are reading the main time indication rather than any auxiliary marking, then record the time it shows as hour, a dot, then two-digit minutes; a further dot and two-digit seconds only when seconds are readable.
6.21
